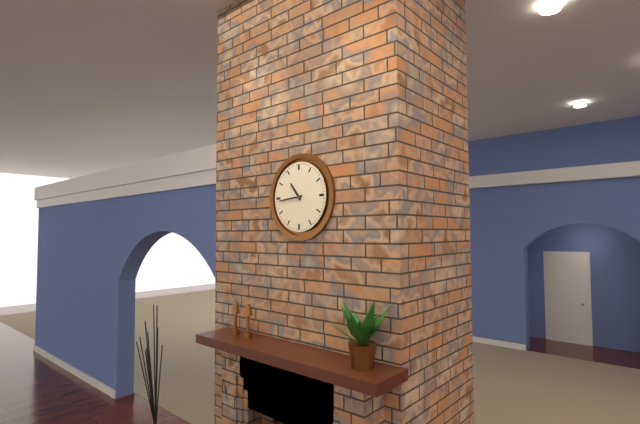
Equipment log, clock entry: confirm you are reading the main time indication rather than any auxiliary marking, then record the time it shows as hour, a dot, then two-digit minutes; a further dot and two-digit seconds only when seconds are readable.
10.44
